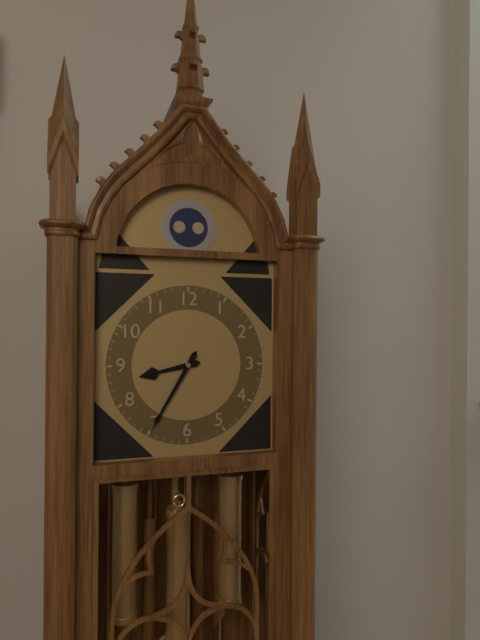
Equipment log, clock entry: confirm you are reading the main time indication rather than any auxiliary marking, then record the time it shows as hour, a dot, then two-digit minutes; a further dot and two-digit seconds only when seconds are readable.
8.35
